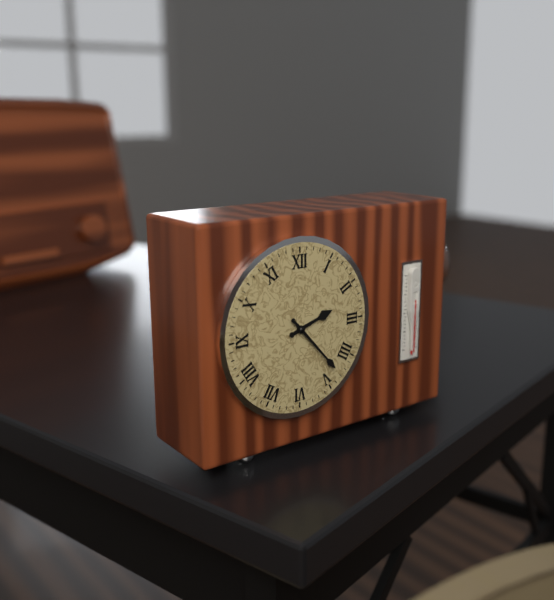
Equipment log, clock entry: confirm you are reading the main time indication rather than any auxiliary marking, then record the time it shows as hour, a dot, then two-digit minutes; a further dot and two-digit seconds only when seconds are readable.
2.23
